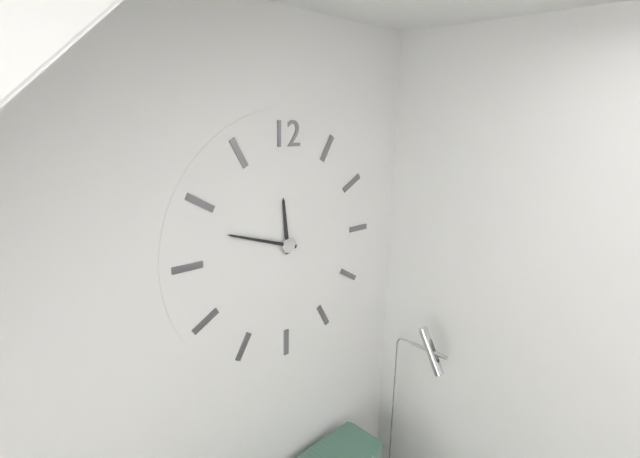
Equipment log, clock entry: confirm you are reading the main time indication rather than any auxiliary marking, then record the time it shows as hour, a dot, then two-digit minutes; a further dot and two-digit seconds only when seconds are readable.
11.48
